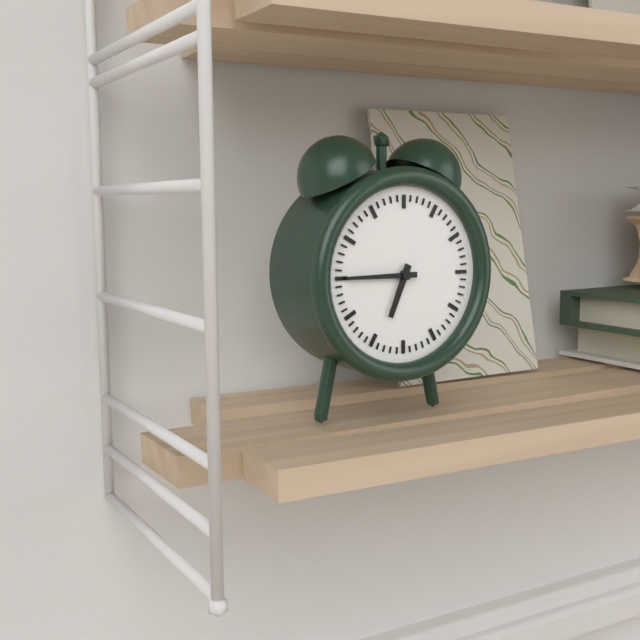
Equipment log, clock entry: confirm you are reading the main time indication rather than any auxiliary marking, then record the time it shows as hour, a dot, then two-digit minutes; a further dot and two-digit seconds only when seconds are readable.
6.45
